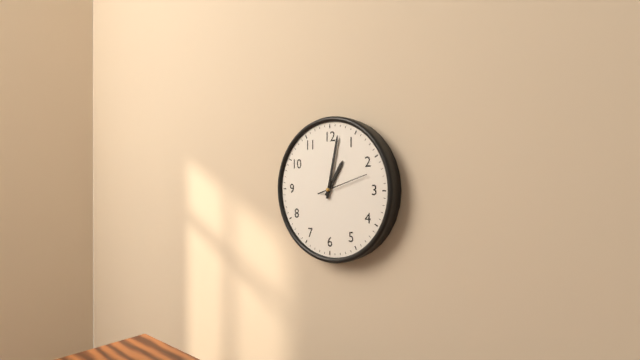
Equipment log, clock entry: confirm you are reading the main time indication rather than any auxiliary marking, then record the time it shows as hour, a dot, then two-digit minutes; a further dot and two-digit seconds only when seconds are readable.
1.02
